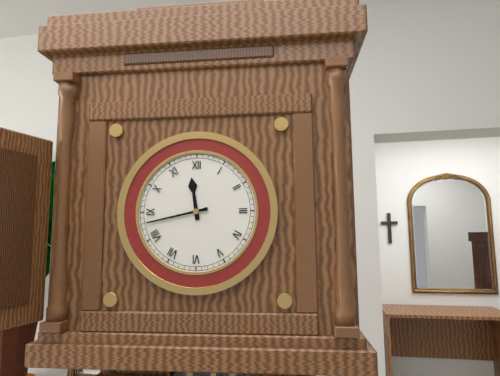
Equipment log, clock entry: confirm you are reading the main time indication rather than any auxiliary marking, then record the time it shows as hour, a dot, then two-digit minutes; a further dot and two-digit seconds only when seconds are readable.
11.43
